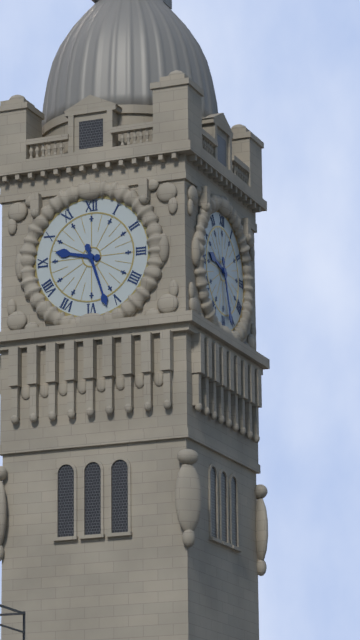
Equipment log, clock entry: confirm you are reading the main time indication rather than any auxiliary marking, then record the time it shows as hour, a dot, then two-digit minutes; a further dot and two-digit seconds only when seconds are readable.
9.27
